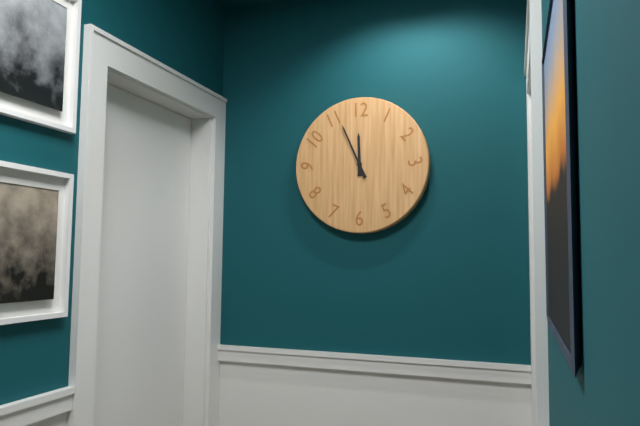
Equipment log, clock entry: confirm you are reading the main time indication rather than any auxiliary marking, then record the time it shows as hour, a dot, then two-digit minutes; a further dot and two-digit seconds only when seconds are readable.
11.56
